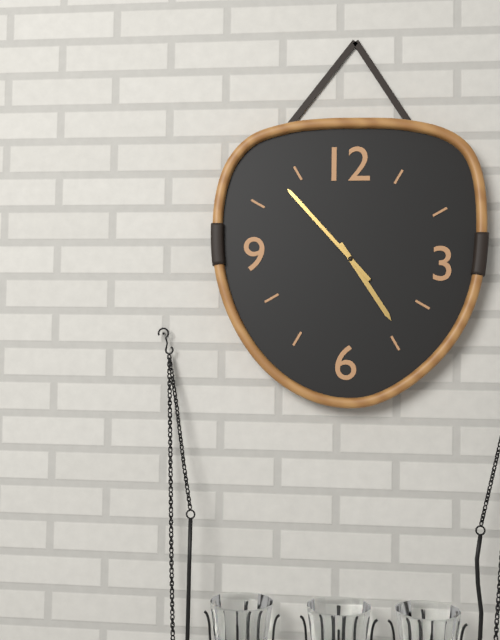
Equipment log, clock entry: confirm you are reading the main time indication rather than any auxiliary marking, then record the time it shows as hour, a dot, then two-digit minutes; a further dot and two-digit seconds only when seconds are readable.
4.53
